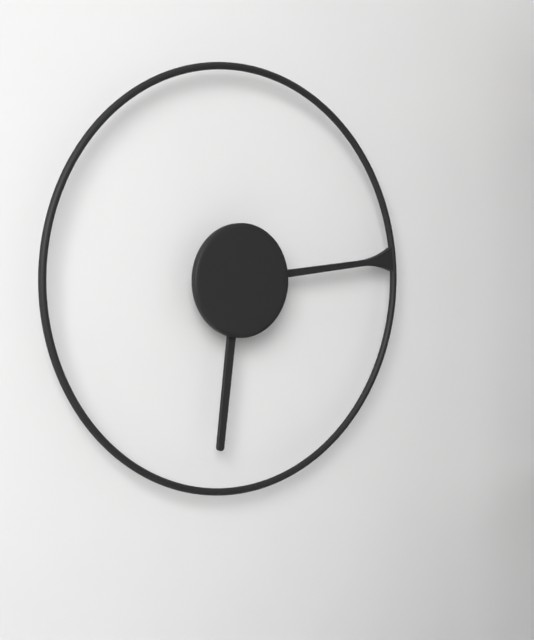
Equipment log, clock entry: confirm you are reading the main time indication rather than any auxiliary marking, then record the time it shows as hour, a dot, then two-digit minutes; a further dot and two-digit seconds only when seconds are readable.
6.14
